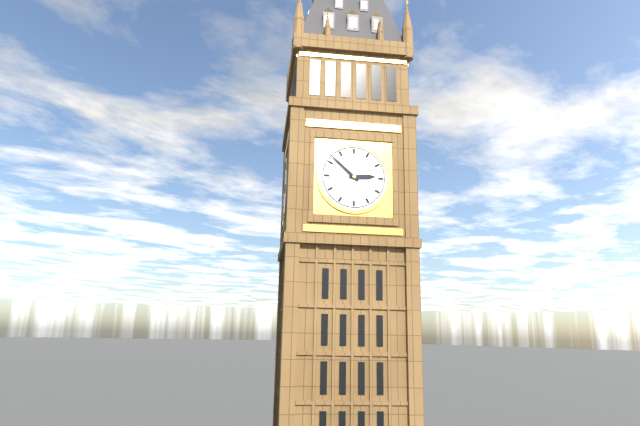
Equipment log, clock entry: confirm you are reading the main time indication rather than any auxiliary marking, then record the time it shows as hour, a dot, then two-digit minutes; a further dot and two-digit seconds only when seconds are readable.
2.52
